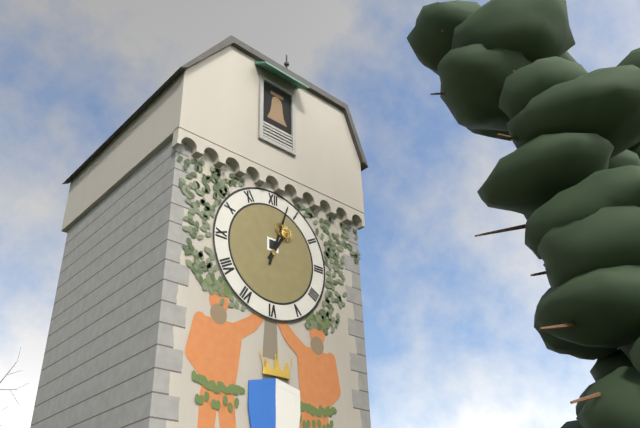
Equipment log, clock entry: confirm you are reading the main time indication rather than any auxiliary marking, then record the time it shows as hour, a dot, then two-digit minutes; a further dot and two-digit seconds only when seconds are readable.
1.03
